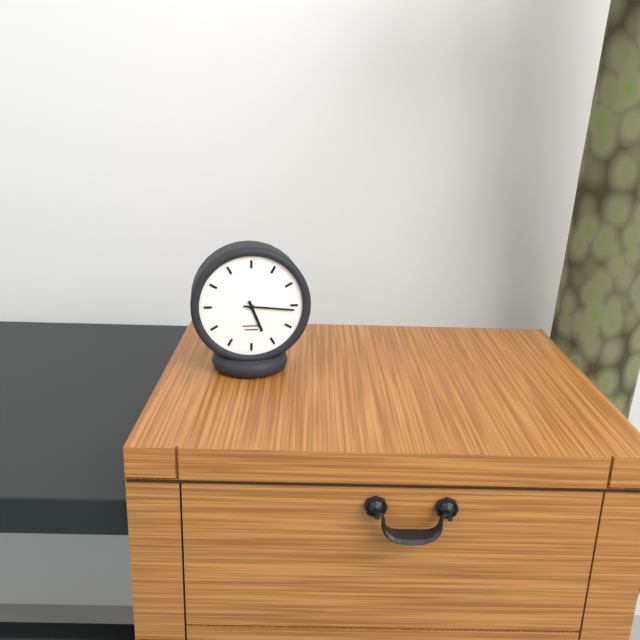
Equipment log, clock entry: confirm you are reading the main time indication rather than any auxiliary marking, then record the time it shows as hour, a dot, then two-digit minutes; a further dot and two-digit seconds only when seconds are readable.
5.16
